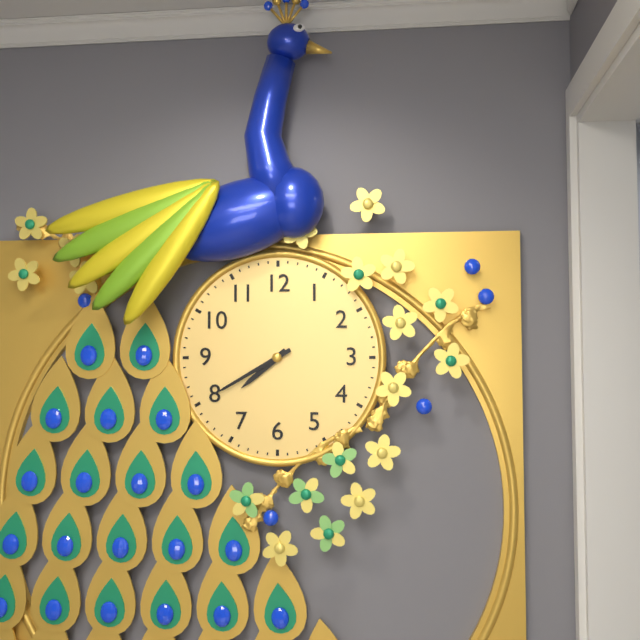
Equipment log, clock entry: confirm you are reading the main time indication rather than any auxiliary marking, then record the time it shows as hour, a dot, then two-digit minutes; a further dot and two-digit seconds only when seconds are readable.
7.40
